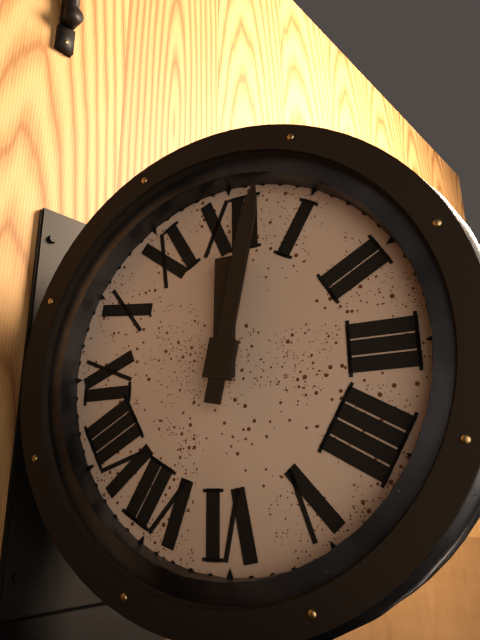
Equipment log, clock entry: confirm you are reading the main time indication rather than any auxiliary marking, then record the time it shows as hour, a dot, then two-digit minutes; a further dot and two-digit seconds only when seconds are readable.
12.02
